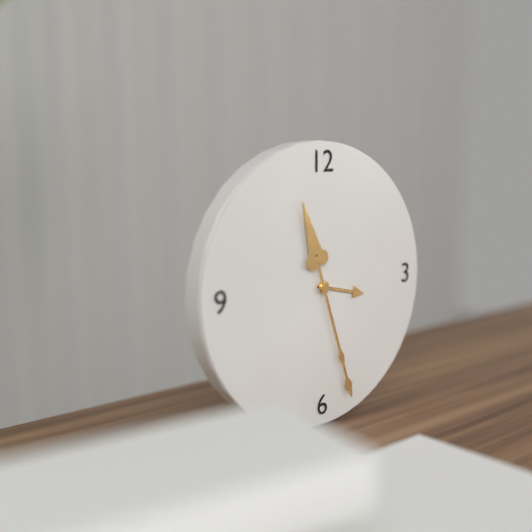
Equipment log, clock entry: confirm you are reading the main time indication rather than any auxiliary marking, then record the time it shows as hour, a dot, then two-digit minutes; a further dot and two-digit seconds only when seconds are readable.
3.27
